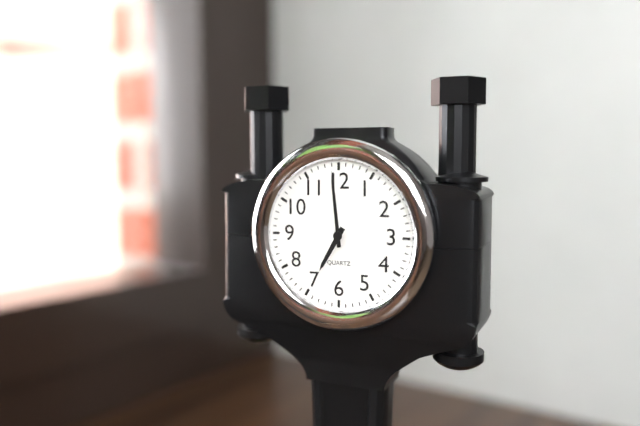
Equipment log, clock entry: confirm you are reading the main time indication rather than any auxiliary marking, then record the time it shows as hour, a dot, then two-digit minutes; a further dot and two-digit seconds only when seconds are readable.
6.59
